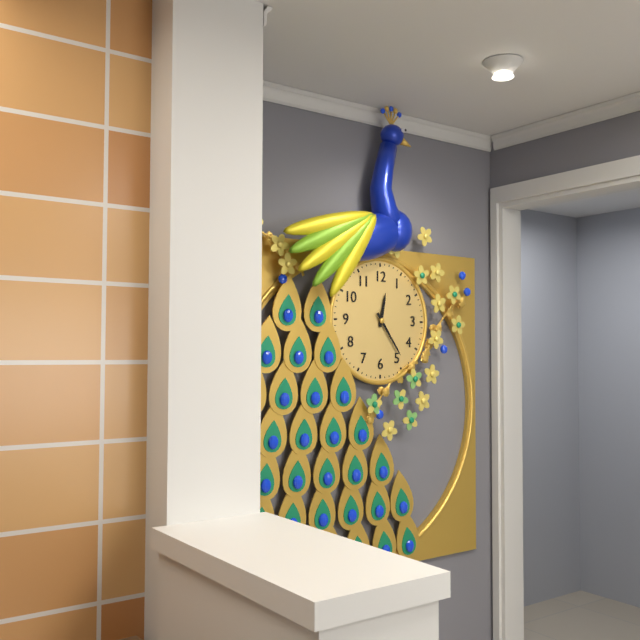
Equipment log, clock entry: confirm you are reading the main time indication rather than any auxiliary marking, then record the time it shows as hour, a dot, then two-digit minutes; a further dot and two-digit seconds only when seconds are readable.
12.24
